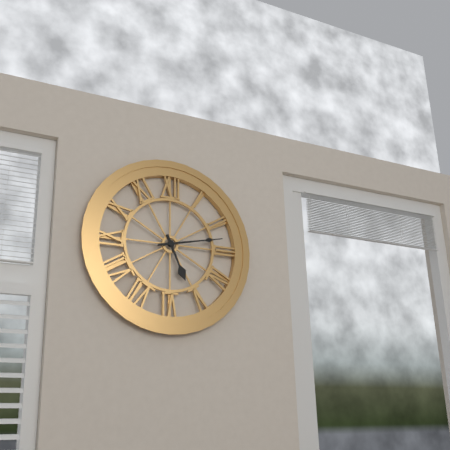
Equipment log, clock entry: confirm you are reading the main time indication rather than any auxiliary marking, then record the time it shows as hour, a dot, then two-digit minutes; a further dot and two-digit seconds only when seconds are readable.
5.13
